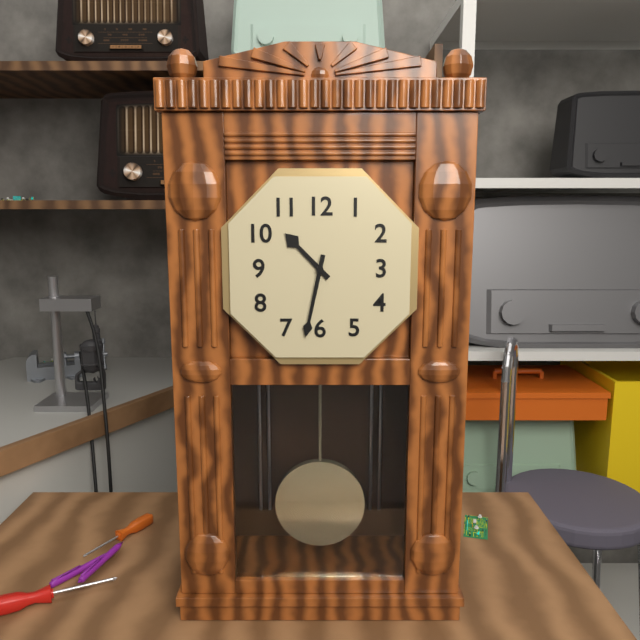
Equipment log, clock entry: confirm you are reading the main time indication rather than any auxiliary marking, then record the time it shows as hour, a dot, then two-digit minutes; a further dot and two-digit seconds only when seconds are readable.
10.32
